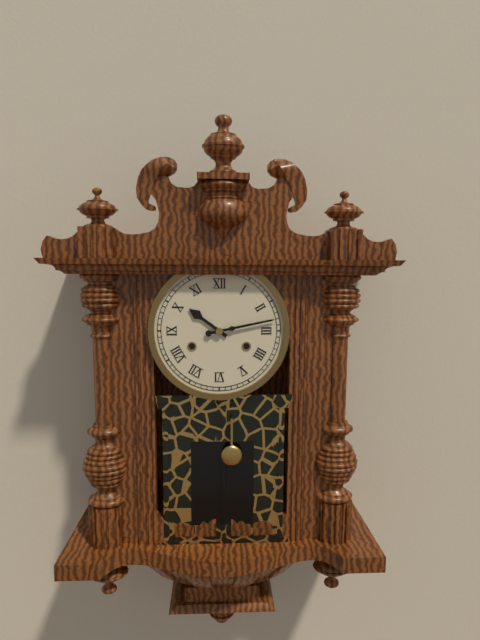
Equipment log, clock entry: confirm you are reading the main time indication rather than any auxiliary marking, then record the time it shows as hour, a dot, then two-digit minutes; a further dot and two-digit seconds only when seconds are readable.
10.13
